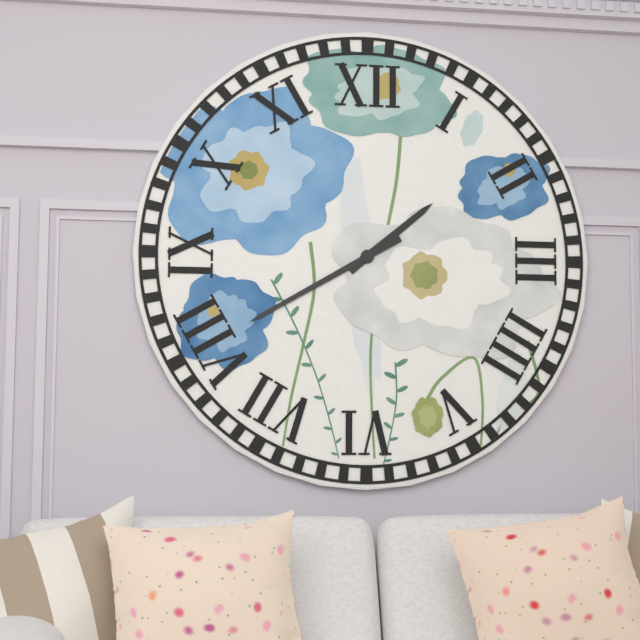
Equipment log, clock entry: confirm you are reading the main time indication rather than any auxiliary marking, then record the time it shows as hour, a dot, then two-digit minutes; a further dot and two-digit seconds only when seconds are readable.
1.40
